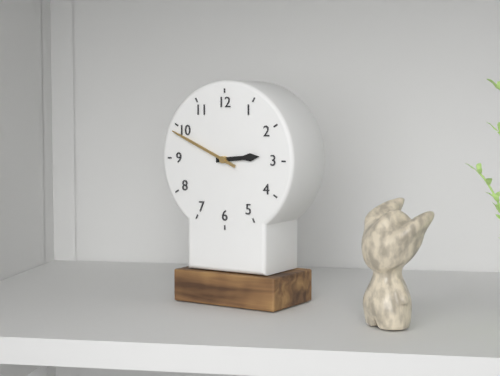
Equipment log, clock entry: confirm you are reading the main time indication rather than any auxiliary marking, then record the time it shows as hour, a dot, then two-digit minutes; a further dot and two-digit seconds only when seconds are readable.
2.49
